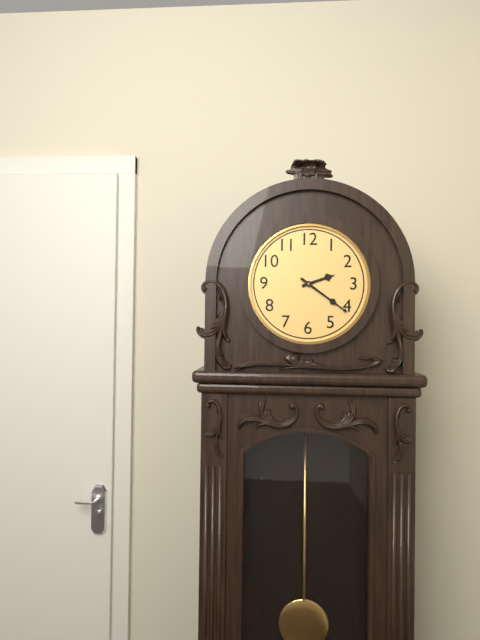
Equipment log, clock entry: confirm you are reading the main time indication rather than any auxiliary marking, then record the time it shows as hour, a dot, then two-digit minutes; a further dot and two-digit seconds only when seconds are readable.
2.21
